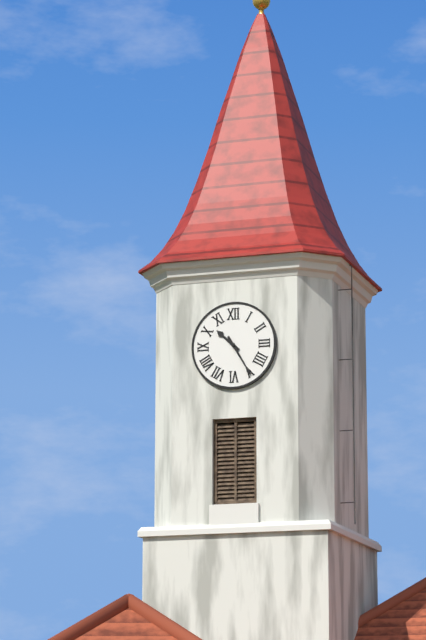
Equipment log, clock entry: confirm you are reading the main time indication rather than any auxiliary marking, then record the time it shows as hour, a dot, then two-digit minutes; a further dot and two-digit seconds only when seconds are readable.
10.25
